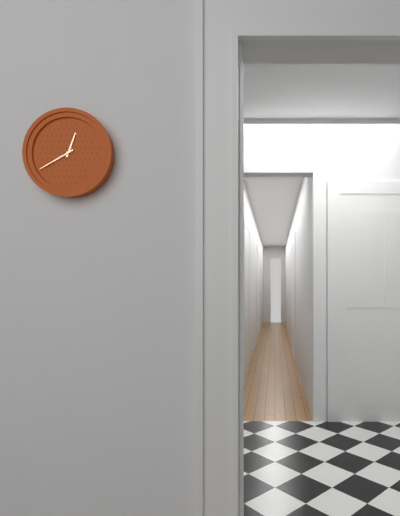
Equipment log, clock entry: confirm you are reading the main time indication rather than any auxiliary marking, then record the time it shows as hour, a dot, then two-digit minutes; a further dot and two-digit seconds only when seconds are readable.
12.40
